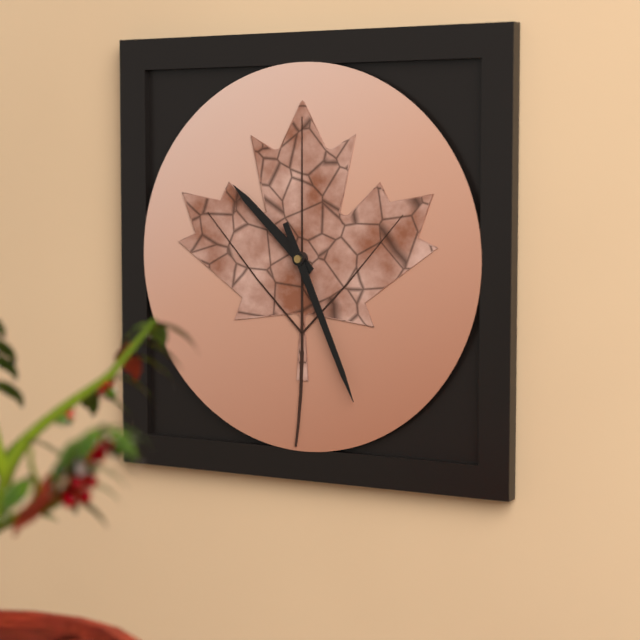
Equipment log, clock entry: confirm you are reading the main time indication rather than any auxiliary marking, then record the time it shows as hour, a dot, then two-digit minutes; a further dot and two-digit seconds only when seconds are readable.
10.26
